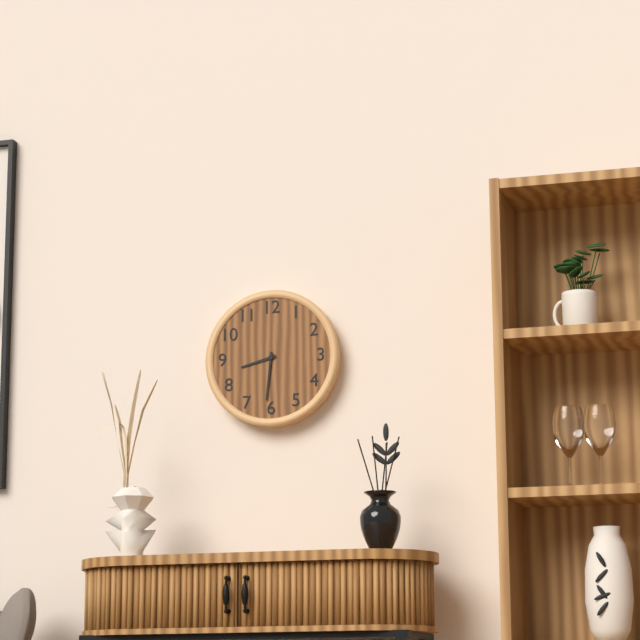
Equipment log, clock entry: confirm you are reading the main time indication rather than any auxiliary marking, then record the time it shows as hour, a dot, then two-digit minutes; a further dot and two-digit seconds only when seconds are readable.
8.31
